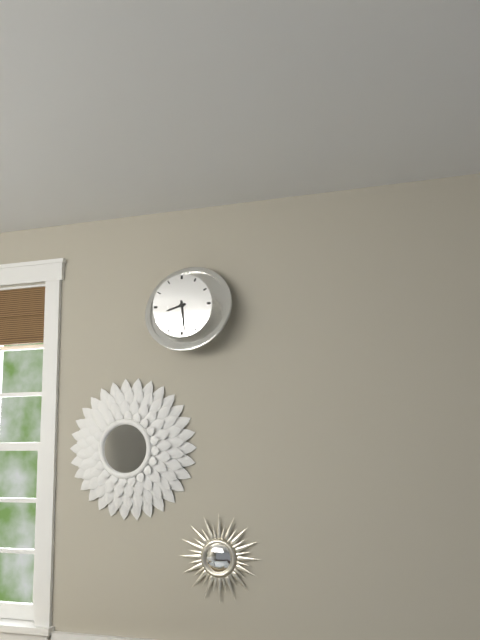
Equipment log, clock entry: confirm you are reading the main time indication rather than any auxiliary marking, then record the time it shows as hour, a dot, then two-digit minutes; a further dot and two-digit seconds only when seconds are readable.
8.29
